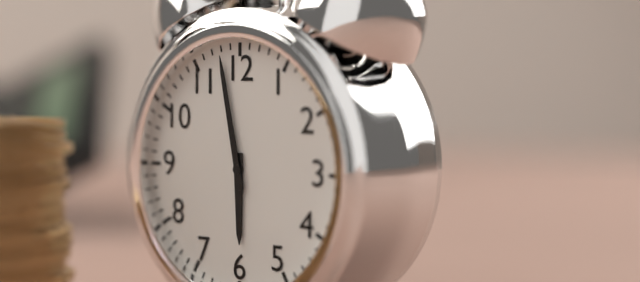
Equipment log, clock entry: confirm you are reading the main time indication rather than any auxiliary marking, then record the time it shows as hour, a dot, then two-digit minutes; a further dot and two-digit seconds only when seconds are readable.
5.58
